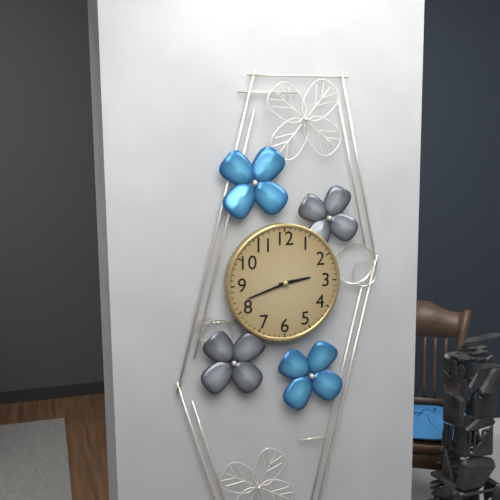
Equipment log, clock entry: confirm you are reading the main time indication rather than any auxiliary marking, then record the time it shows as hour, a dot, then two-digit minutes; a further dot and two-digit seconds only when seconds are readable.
2.42
